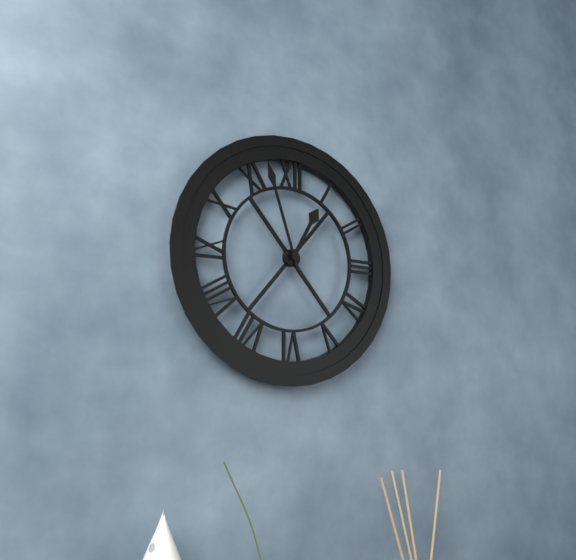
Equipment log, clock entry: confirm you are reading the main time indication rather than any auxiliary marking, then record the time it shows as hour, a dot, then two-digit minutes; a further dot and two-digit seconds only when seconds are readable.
12.57
